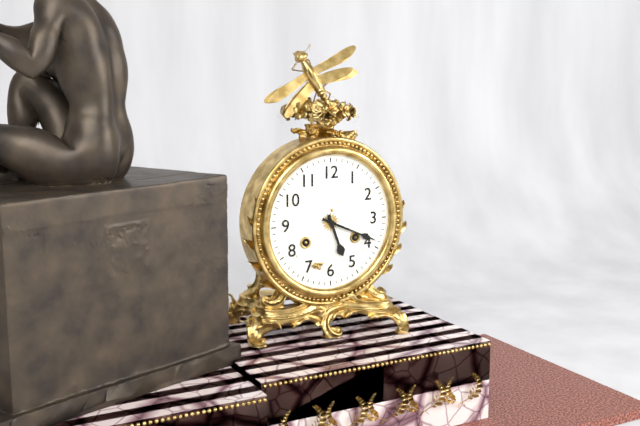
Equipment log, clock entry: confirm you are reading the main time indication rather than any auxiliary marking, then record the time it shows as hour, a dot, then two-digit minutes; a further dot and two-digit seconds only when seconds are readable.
5.19
